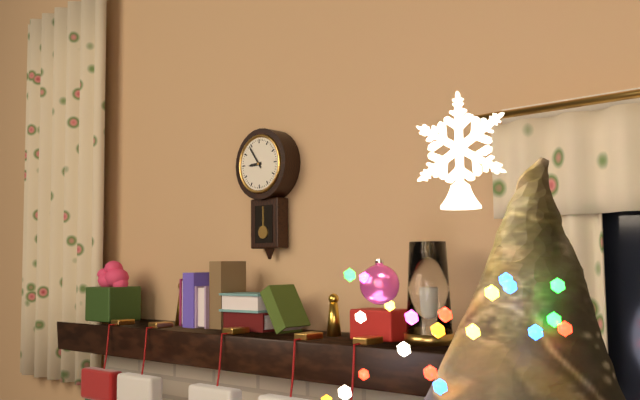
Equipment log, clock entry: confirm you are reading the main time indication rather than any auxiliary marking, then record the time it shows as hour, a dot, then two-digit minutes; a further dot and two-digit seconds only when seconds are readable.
8.54
